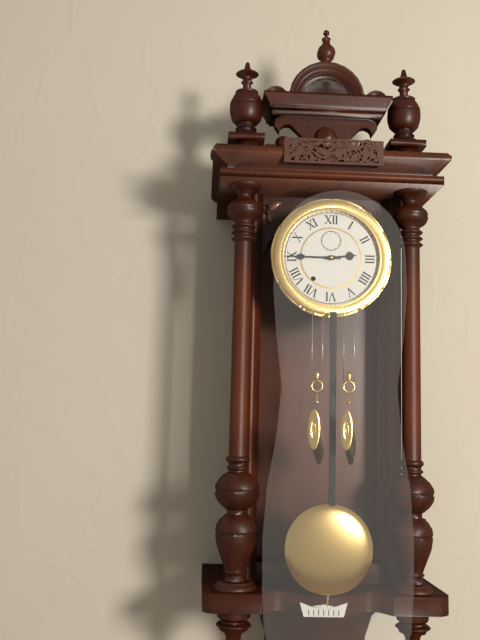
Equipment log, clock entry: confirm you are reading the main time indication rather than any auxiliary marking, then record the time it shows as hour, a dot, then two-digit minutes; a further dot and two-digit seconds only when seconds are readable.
2.45
